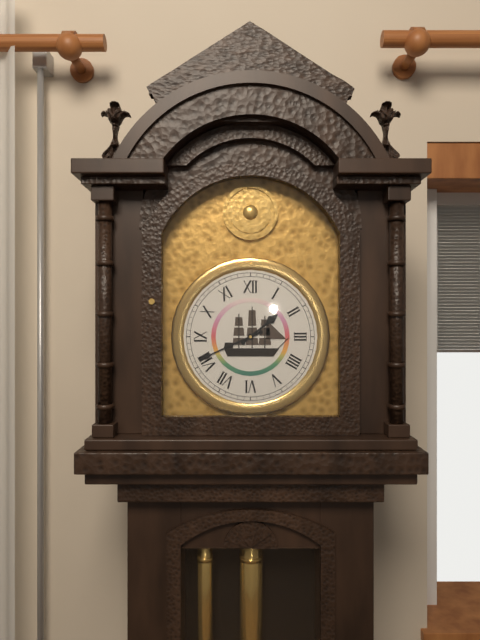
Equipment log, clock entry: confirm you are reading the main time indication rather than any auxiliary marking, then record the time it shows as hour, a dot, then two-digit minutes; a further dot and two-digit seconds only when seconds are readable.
1.41
